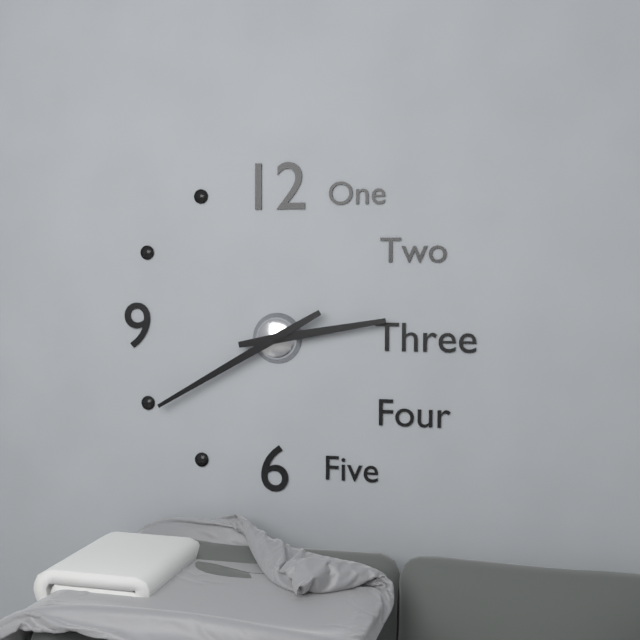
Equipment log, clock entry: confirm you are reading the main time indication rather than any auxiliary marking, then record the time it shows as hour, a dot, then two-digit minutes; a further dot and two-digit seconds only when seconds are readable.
2.40
